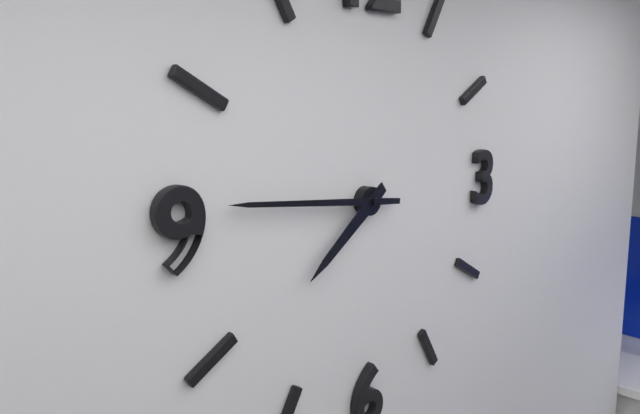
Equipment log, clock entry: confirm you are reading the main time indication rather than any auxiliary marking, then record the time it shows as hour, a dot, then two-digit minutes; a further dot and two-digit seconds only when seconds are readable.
7.46
